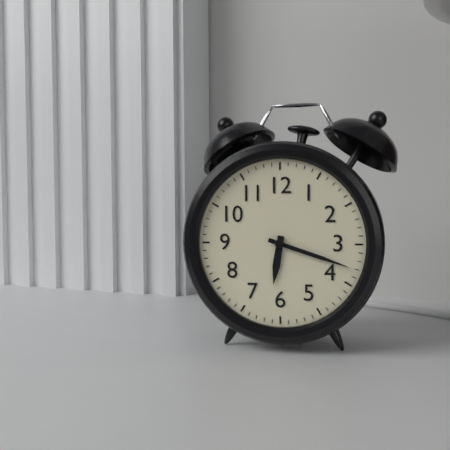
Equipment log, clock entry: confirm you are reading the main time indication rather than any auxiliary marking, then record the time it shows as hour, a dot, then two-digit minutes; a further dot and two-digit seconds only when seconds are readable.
6.18
